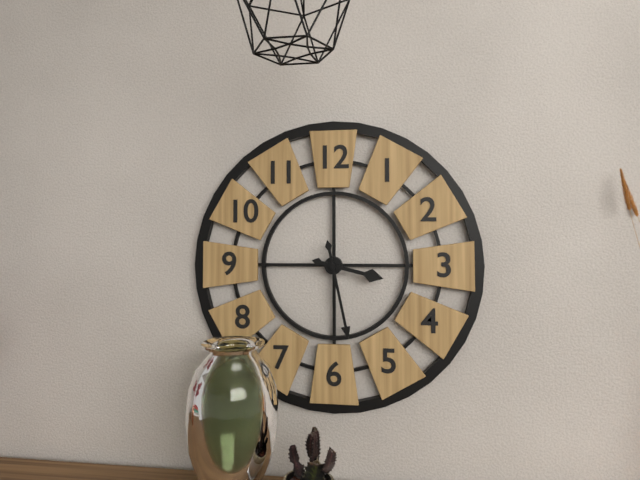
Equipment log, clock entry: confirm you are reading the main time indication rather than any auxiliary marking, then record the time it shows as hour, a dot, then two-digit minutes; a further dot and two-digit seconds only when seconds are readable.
3.28
